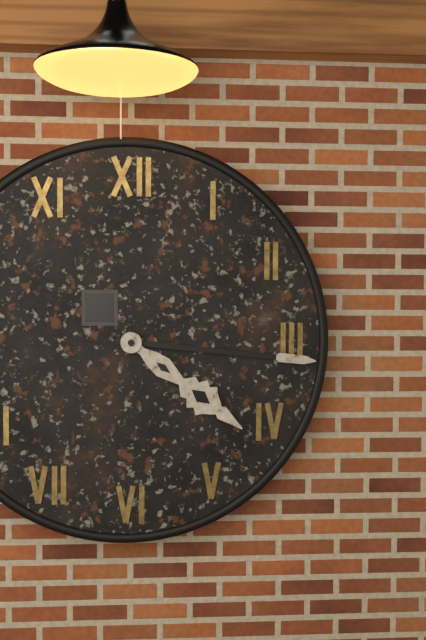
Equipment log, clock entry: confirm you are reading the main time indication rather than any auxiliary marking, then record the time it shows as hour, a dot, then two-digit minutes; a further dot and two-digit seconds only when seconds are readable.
4.16
